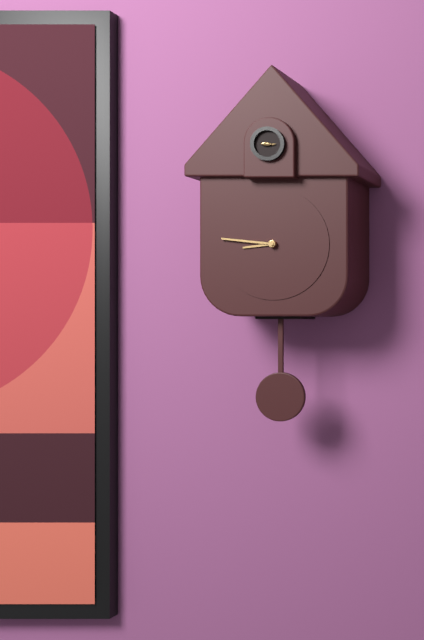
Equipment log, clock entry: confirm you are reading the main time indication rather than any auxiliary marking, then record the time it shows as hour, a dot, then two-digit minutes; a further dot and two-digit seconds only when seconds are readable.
8.46
